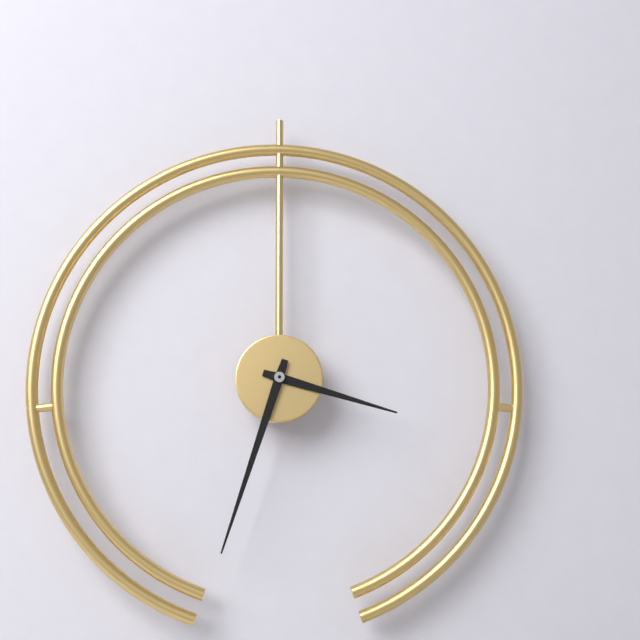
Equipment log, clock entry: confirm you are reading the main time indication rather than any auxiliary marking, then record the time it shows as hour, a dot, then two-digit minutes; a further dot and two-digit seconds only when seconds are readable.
3.33
